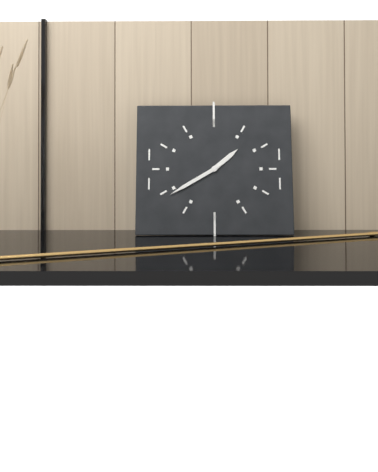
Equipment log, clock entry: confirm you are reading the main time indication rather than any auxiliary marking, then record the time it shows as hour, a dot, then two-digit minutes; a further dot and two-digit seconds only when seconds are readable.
1.40
